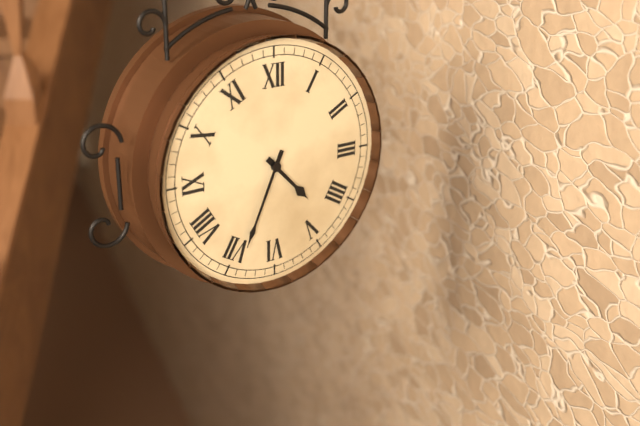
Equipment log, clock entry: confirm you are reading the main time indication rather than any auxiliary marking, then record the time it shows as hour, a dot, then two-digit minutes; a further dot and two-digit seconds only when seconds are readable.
4.34
